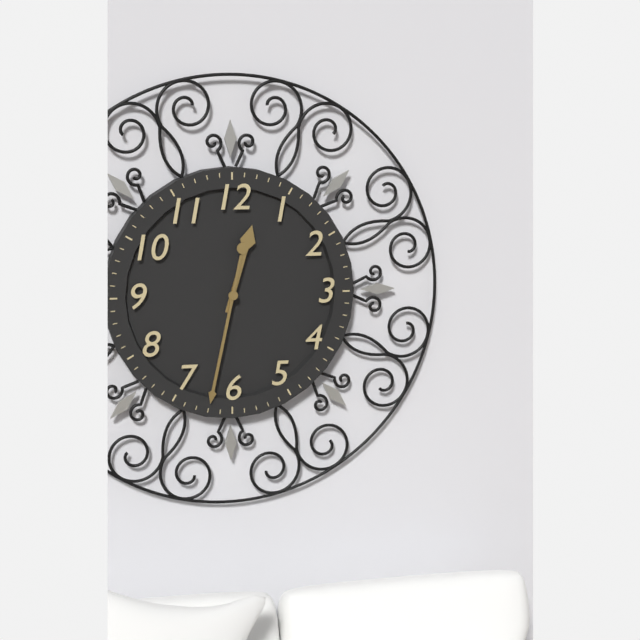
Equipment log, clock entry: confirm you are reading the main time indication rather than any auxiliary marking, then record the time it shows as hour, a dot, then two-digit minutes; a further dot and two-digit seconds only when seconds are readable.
12.32
